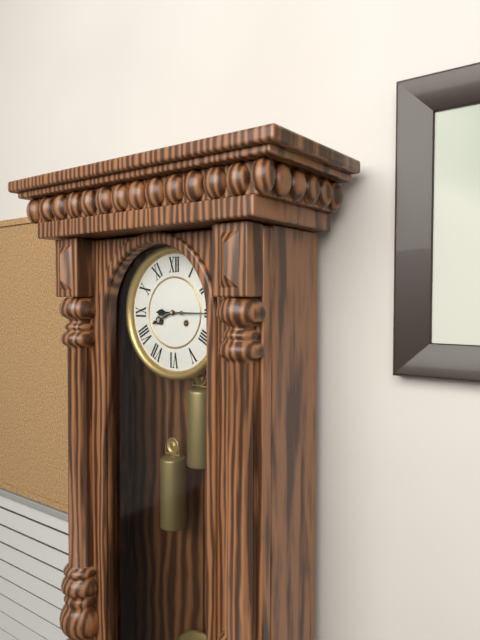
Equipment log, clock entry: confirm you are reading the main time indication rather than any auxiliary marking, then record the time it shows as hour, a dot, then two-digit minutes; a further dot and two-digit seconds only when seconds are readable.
8.15
